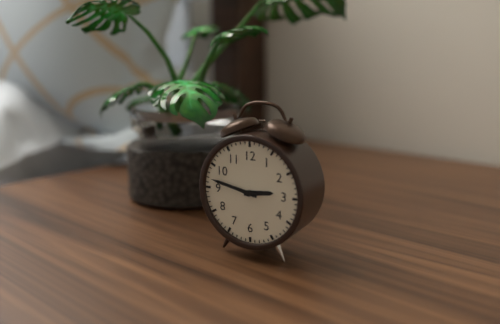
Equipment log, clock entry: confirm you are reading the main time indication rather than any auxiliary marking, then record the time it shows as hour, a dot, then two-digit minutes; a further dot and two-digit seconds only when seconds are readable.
2.47
